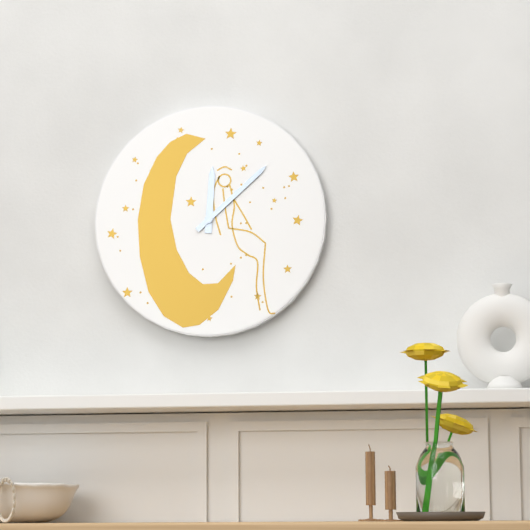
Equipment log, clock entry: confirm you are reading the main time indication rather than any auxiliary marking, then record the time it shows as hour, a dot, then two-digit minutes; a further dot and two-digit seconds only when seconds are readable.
12.08
